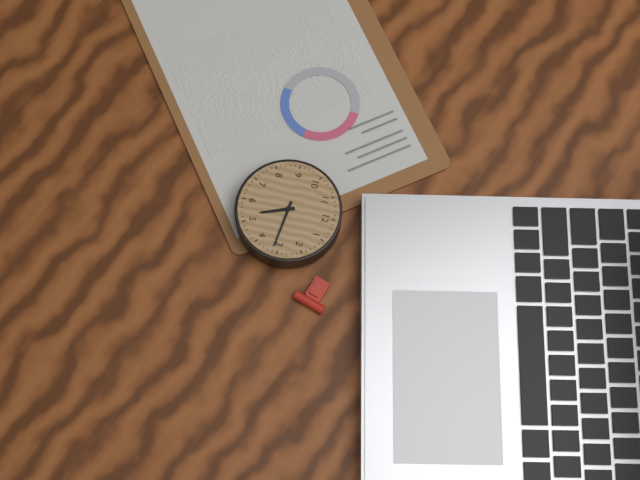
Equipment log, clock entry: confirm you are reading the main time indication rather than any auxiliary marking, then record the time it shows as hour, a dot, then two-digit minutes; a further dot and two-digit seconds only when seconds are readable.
5.16
